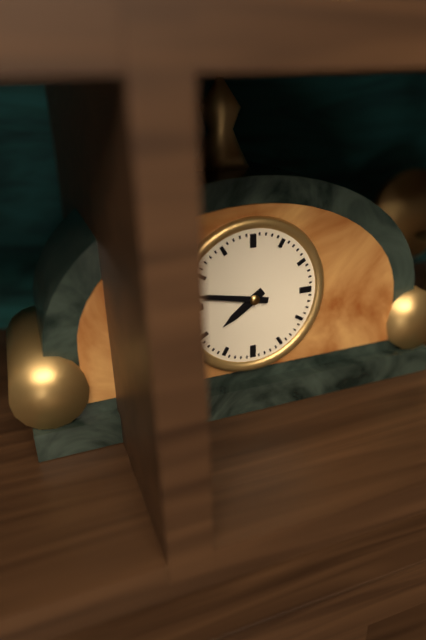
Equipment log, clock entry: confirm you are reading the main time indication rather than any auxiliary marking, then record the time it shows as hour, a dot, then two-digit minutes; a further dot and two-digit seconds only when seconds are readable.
7.47
